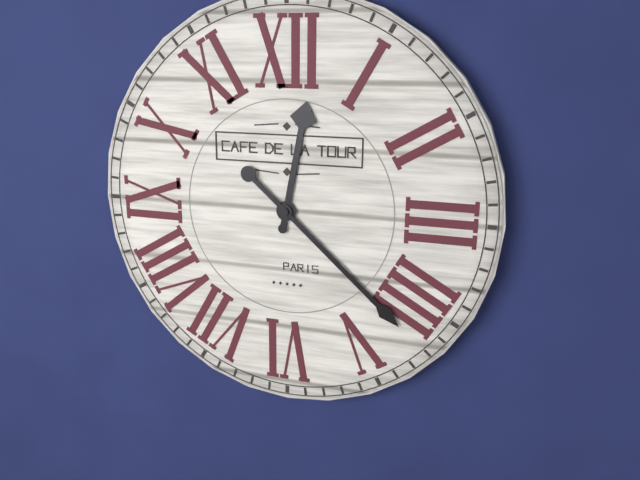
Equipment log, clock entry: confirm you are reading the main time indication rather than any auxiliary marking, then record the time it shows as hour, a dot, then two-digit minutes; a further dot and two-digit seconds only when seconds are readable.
12.22
